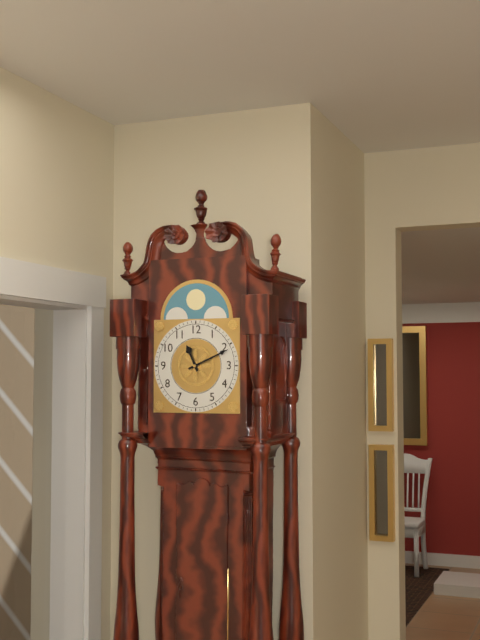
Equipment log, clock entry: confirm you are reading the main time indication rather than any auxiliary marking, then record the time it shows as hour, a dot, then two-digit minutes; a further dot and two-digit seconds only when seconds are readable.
11.11
